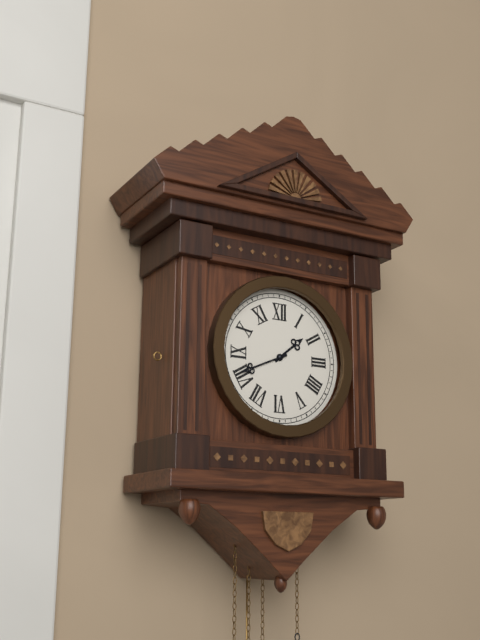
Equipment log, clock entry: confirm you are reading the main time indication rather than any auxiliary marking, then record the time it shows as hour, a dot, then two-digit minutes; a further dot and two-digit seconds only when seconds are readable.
1.41
